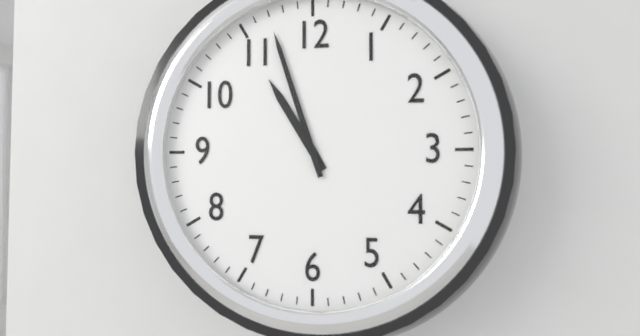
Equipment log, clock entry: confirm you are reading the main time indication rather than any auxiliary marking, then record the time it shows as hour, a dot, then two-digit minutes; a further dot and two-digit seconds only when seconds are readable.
10.57
